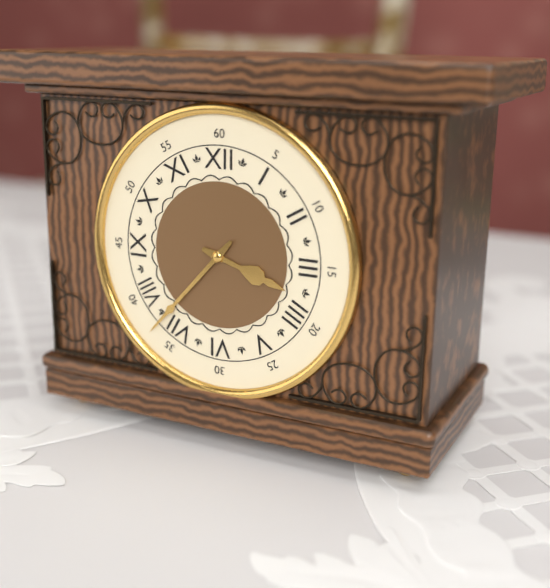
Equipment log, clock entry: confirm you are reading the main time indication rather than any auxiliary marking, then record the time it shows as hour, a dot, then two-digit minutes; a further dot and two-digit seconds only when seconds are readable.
3.37
